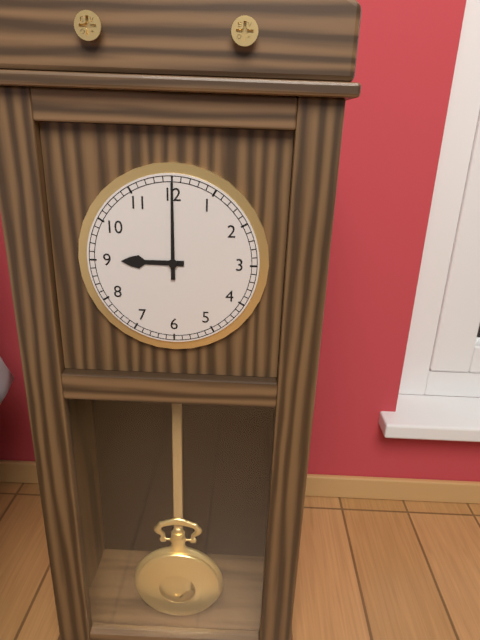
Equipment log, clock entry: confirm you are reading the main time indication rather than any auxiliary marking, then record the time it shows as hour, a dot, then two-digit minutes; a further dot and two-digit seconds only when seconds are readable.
9.00
